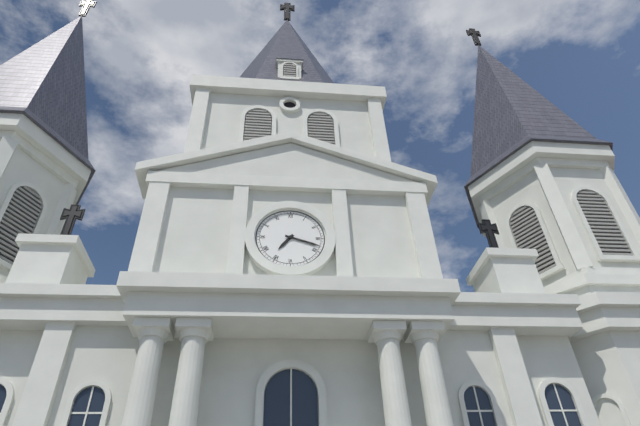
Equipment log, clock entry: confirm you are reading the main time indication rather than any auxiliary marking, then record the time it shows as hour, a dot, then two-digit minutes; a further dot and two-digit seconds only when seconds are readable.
7.18
